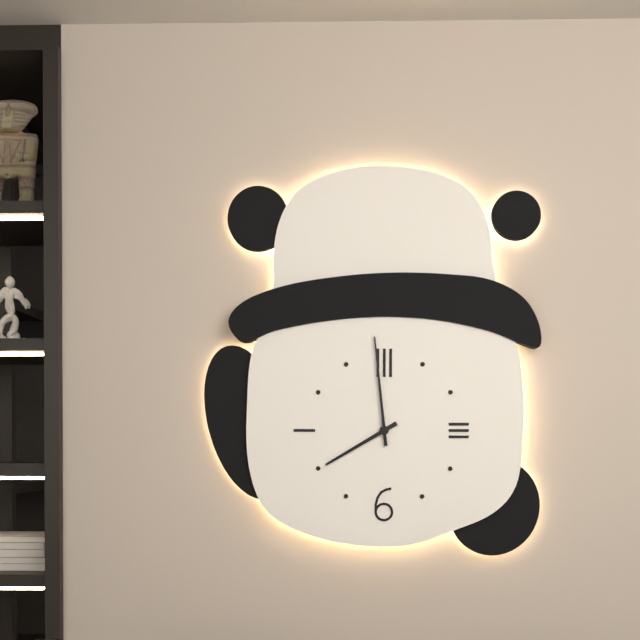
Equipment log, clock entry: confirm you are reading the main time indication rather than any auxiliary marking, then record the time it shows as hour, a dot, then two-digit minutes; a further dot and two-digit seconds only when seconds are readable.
7.59
